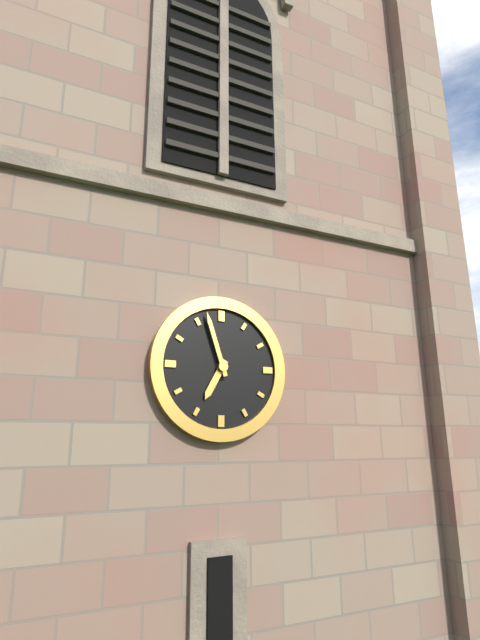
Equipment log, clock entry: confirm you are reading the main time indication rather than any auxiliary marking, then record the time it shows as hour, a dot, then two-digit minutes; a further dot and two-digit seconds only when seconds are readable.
6.57
